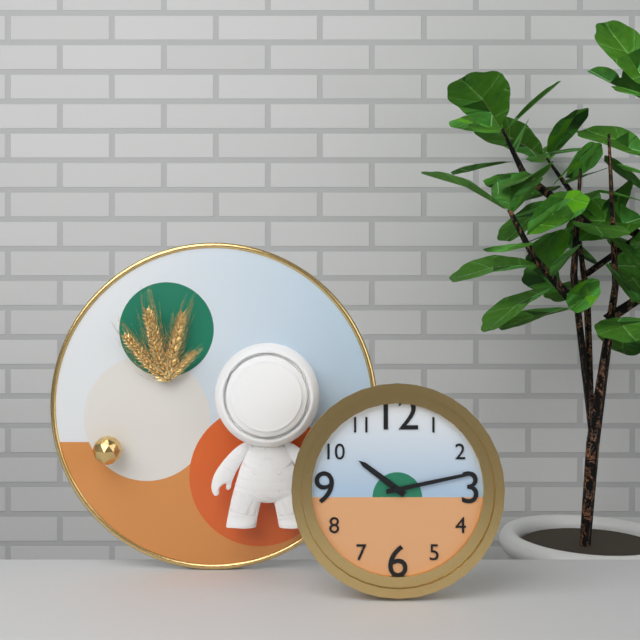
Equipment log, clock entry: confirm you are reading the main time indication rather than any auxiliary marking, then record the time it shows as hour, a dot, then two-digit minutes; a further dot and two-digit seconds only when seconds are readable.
10.13
